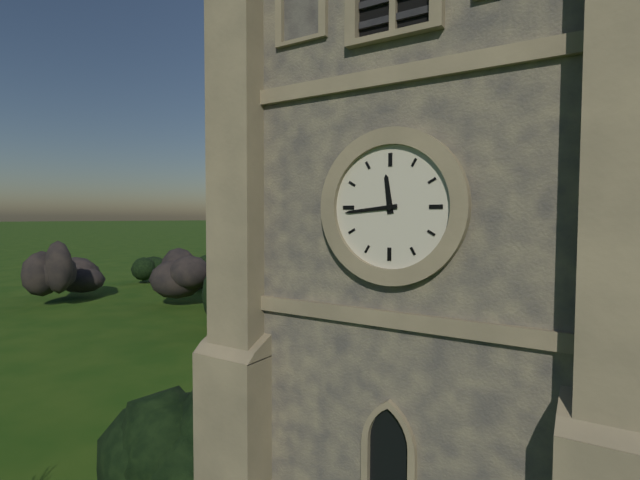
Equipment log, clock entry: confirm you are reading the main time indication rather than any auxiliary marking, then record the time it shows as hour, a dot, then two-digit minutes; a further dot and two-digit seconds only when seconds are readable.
11.44
